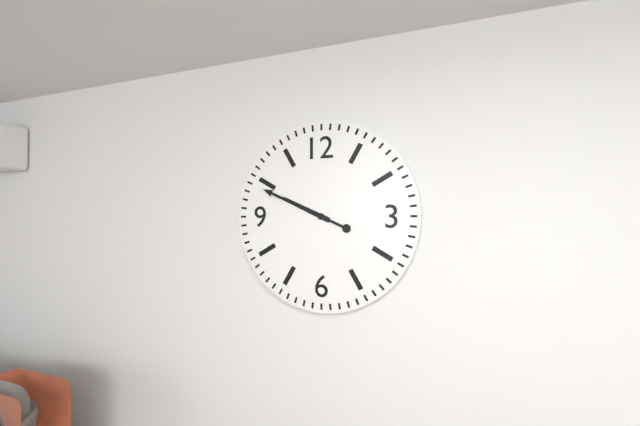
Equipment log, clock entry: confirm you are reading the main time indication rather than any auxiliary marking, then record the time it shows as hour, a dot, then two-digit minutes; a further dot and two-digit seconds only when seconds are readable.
9.49
